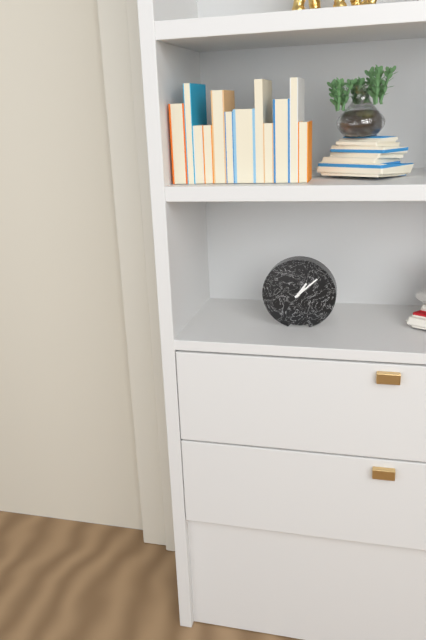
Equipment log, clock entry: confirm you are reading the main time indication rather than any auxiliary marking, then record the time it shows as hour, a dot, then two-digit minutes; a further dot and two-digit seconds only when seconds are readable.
1.08
